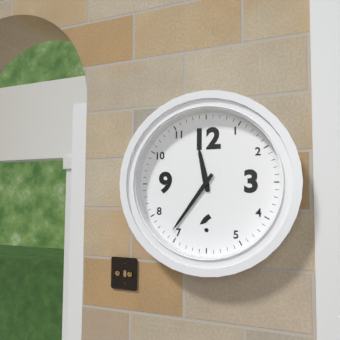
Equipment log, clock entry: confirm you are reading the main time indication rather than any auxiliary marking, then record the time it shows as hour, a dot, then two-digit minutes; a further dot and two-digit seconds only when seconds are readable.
11.36
